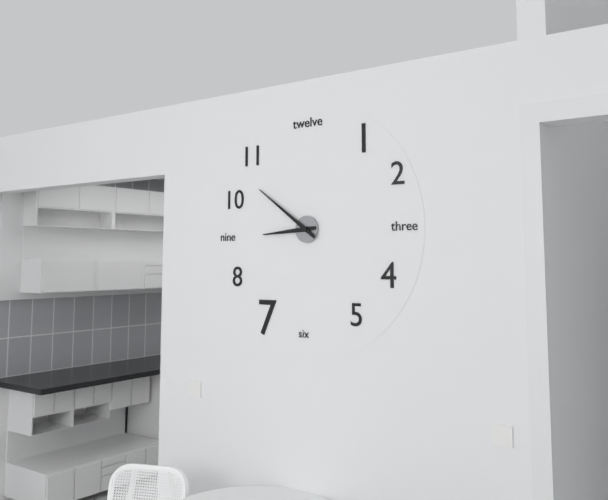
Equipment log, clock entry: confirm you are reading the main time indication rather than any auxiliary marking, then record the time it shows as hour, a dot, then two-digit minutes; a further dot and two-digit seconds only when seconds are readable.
8.51
